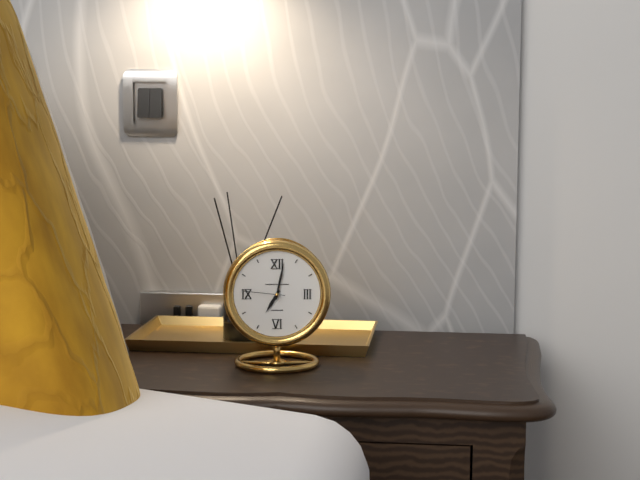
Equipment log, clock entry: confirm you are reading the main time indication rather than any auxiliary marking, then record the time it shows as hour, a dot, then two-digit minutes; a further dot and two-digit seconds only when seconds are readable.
7.02
